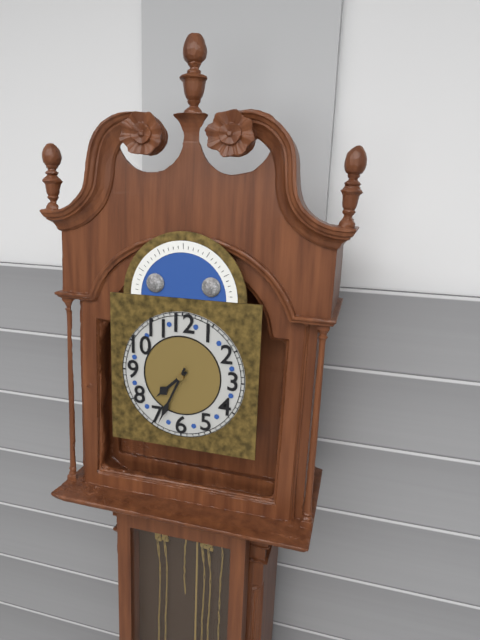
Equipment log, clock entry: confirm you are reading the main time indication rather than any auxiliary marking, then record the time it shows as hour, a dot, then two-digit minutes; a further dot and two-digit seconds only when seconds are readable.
7.34
